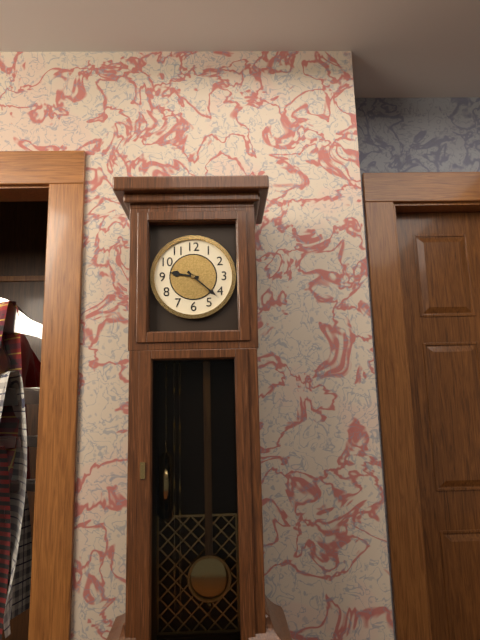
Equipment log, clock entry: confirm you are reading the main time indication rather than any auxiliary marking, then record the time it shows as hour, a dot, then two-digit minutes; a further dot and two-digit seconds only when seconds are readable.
9.22
